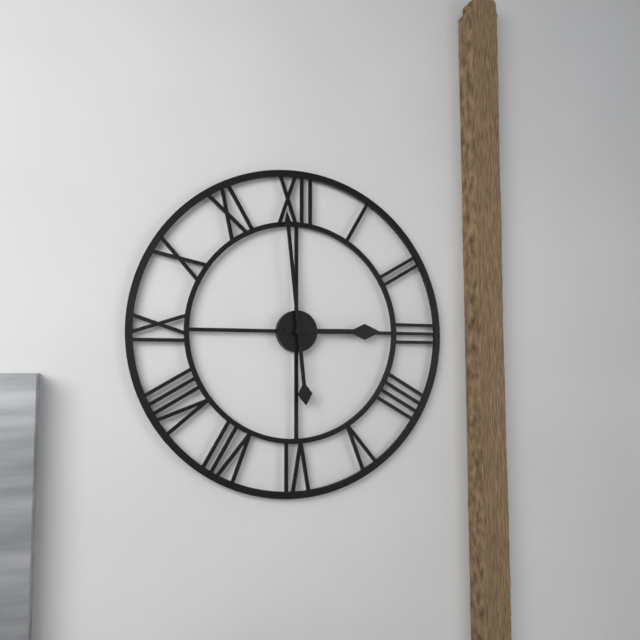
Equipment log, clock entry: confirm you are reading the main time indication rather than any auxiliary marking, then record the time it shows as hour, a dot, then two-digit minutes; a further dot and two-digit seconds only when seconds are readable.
2.59
